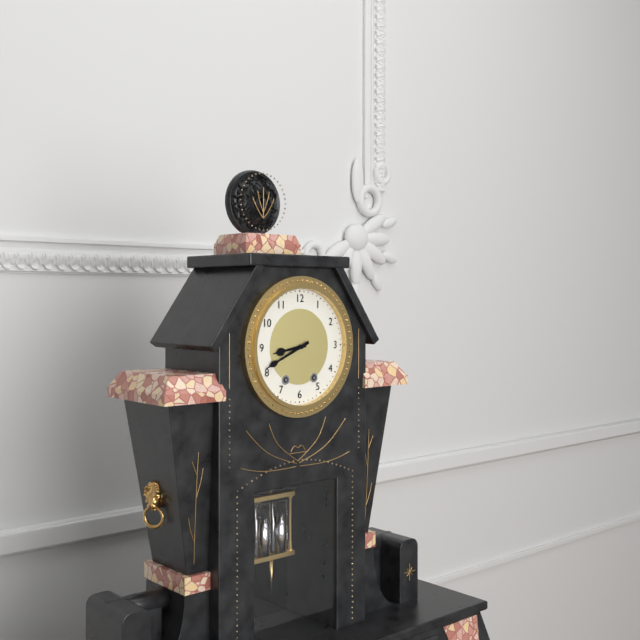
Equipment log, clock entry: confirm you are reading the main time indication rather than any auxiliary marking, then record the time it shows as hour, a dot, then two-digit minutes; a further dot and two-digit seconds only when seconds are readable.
8.41
